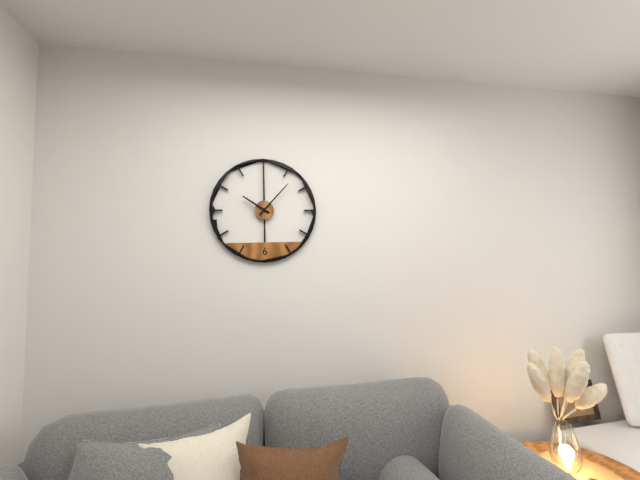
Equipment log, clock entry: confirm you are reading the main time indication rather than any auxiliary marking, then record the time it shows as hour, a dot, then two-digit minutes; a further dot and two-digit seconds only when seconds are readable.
10.07
